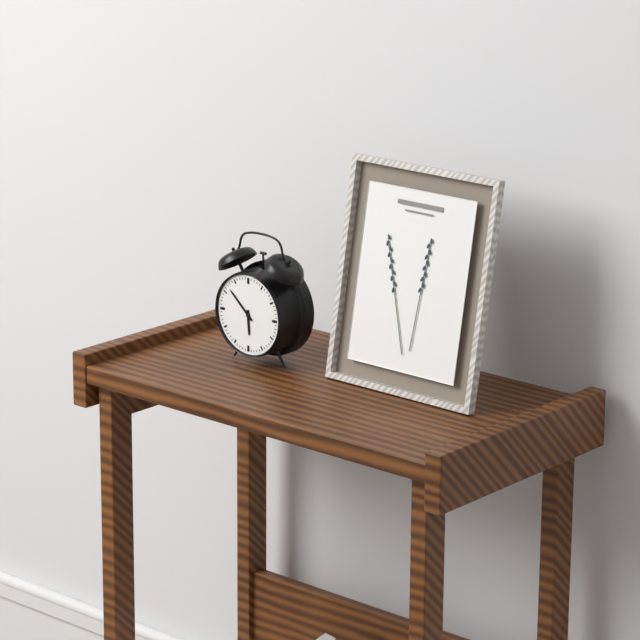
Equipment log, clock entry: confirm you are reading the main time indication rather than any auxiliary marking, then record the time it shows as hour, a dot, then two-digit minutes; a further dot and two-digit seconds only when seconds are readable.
5.52
